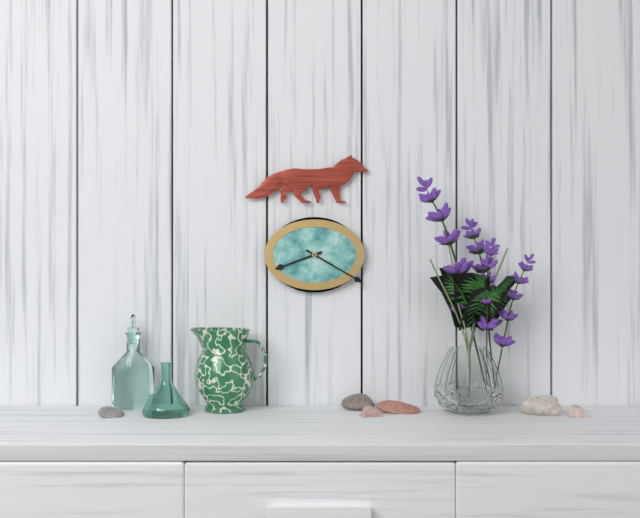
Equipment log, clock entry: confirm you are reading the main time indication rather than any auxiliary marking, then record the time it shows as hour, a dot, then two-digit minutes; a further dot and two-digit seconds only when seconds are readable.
8.20
